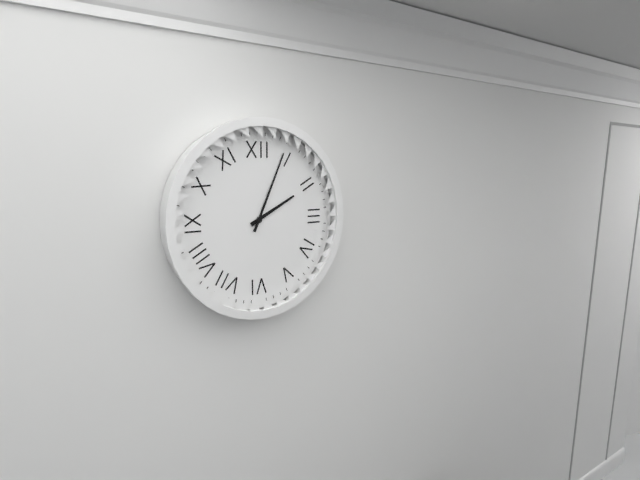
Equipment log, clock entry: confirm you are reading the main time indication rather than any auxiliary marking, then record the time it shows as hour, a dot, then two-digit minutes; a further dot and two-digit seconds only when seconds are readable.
2.04
